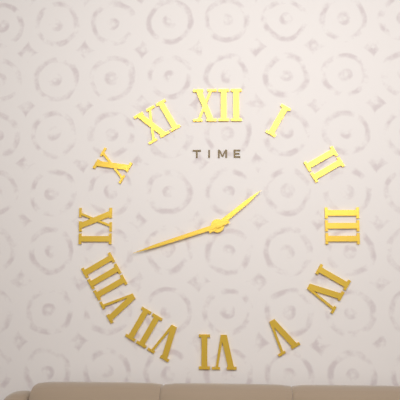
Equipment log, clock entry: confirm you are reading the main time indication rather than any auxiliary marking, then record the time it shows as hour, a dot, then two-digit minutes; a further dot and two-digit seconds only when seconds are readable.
1.42
